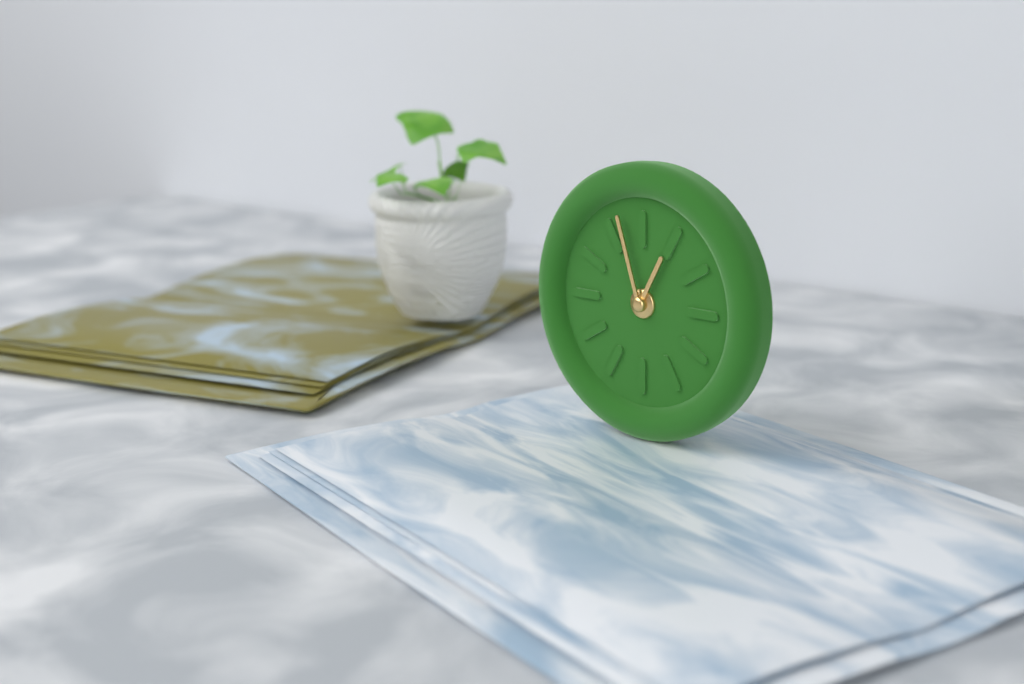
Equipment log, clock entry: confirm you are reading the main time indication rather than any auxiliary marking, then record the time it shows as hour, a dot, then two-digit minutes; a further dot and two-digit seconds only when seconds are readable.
12.57
